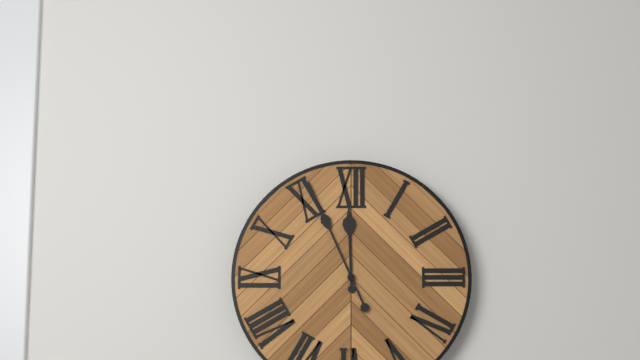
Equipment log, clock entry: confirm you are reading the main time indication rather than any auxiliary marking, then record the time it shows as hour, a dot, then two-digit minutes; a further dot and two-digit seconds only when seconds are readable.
11.56
